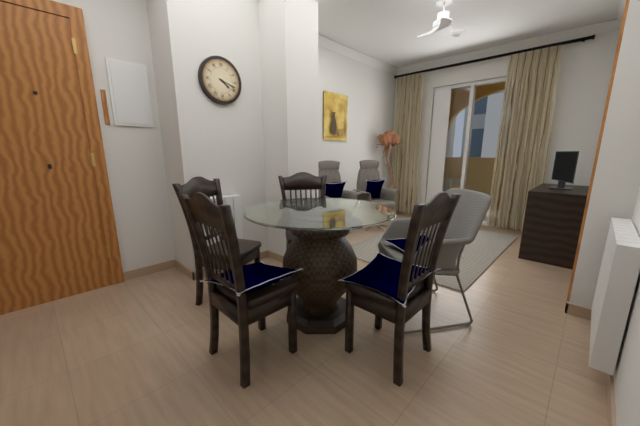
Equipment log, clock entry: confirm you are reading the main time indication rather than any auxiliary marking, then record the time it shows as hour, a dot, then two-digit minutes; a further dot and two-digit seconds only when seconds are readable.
4.18
